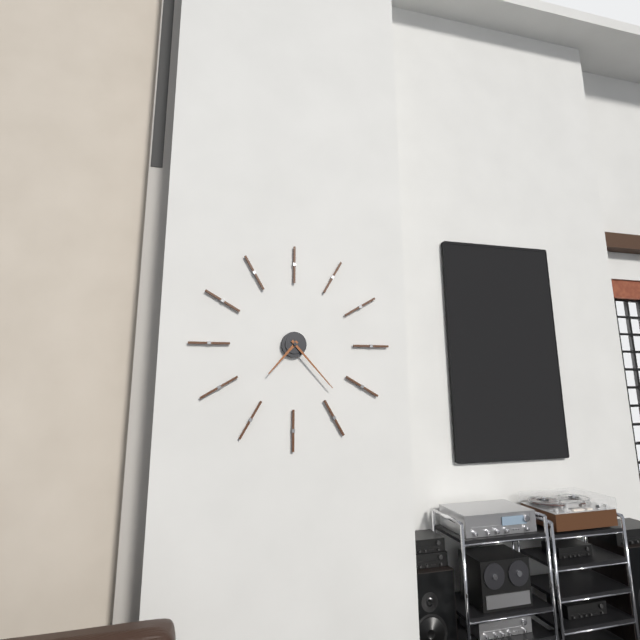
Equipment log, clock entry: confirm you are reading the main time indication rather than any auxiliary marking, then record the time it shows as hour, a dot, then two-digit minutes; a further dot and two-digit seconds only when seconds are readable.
7.23
